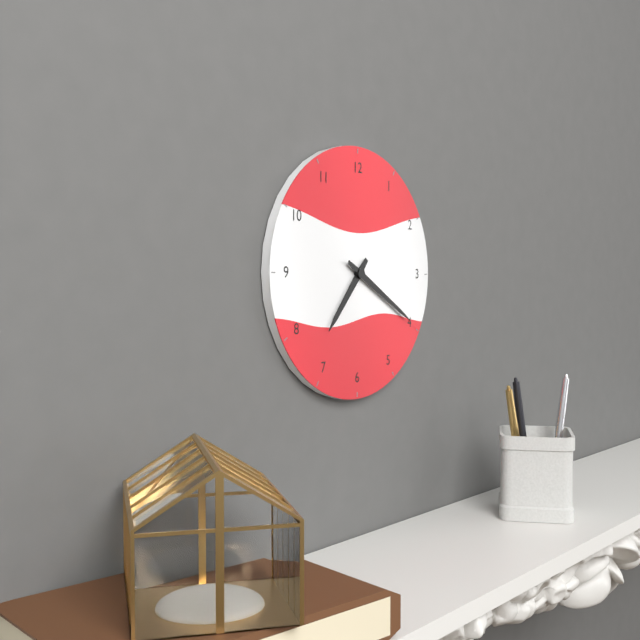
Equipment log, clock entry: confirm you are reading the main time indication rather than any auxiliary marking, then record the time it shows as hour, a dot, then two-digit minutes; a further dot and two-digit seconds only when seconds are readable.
7.20
